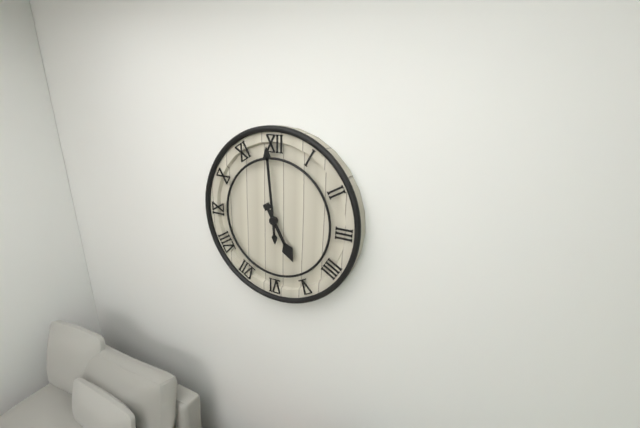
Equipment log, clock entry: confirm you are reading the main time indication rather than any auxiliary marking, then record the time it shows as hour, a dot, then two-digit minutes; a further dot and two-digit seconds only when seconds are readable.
4.59
